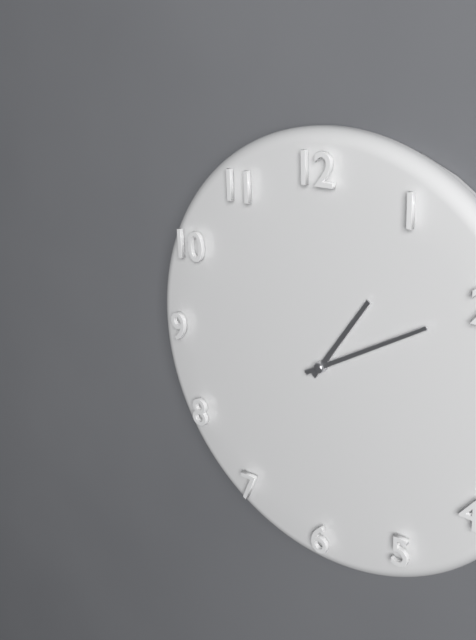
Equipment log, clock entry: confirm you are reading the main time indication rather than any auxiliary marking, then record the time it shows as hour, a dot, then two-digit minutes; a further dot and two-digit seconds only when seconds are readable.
1.10
